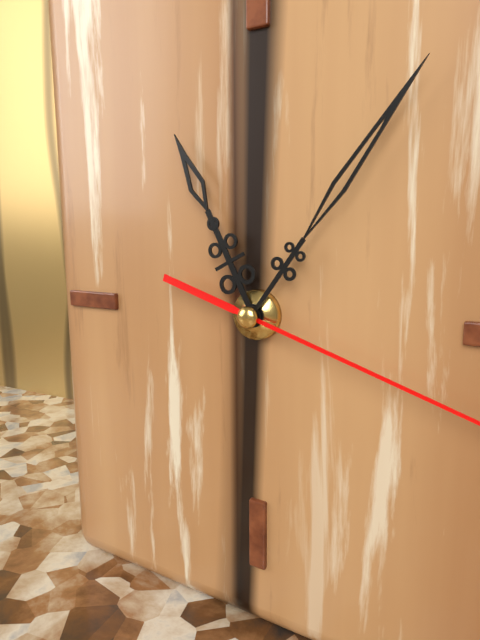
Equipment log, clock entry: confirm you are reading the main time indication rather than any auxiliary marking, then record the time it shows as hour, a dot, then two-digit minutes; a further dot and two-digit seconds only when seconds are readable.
11.06
